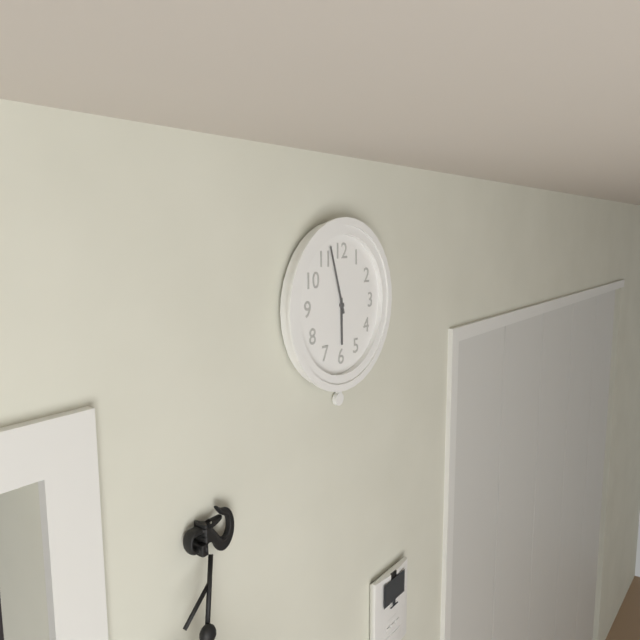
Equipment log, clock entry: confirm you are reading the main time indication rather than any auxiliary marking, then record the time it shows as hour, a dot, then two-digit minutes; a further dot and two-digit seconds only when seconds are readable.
5.57
